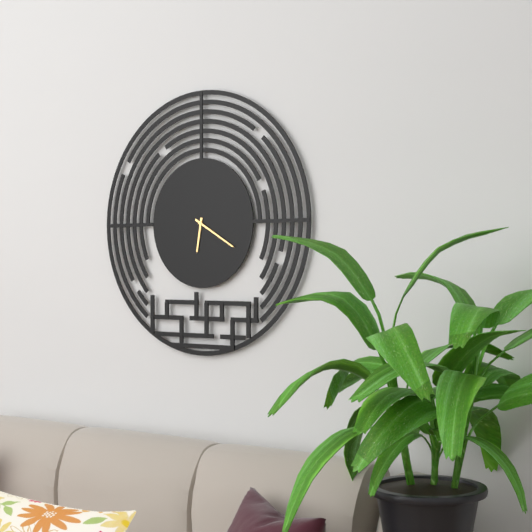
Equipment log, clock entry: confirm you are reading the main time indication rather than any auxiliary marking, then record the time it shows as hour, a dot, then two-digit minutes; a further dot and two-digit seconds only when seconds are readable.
6.20
